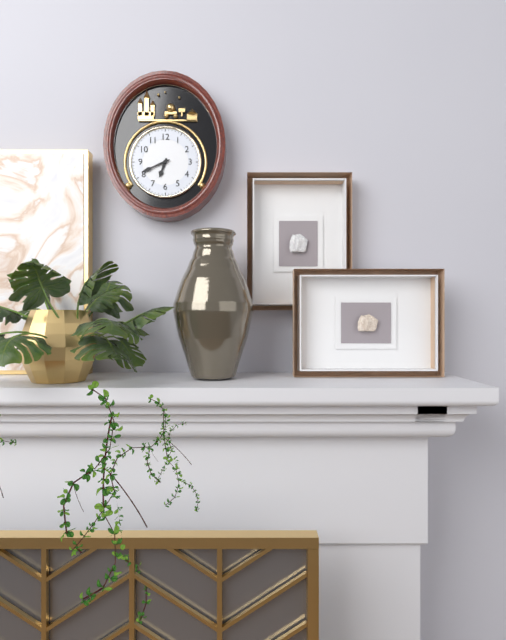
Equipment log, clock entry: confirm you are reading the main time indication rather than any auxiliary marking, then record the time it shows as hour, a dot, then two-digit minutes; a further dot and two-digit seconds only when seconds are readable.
6.41
